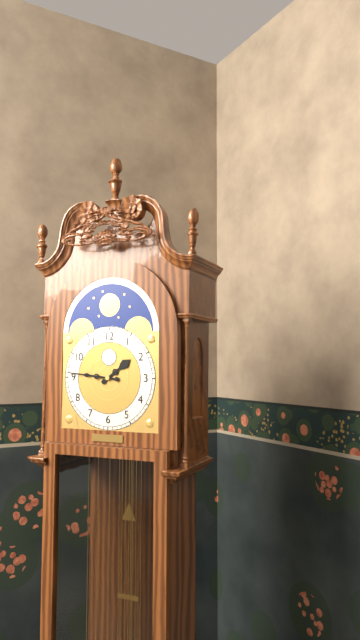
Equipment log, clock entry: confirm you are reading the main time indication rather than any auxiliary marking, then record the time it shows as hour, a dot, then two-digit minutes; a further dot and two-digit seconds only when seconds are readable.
1.46
